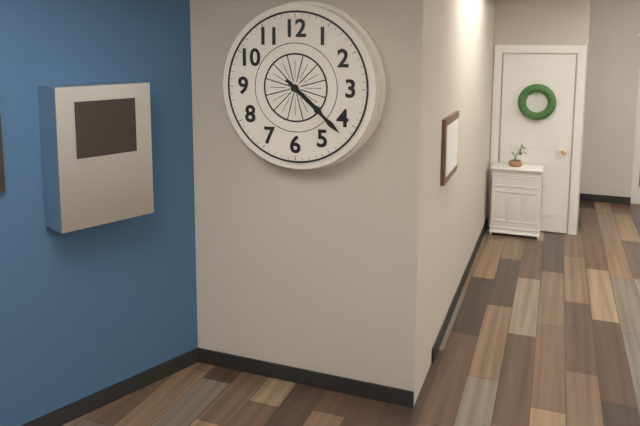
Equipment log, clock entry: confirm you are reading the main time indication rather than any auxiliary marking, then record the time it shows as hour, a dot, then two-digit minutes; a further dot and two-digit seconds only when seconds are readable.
4.22
